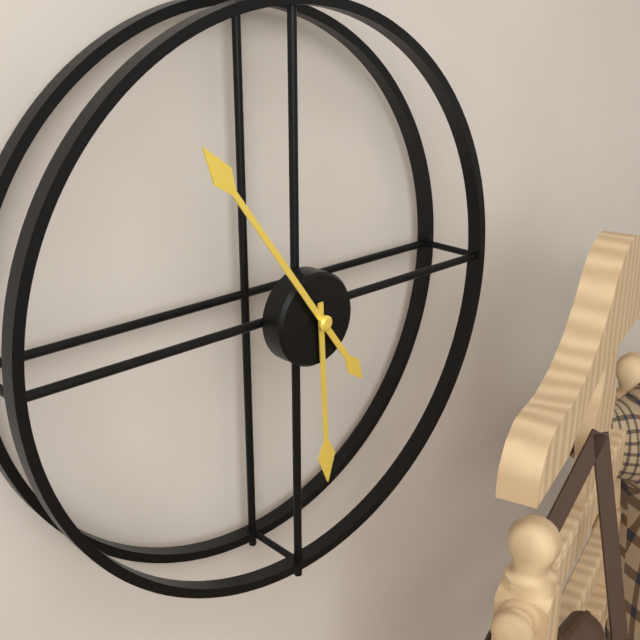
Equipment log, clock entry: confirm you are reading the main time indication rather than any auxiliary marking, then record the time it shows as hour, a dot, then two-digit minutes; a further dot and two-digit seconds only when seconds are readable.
5.54
